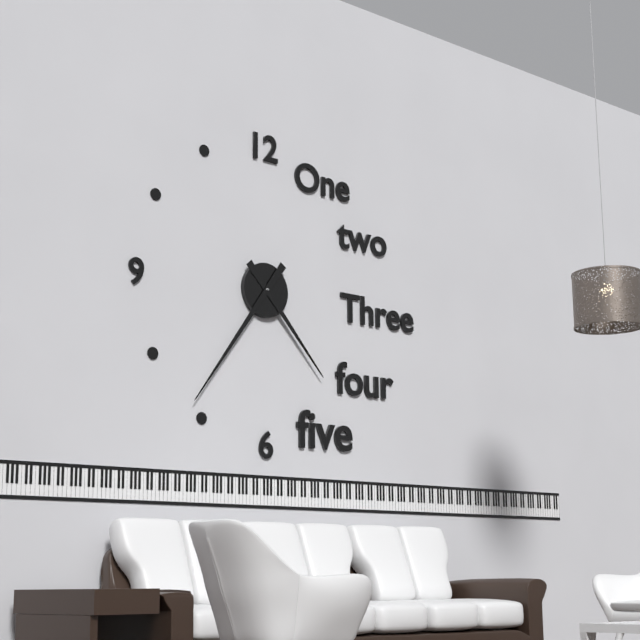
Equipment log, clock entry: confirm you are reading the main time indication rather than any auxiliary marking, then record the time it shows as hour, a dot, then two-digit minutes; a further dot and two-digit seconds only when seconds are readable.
4.36
